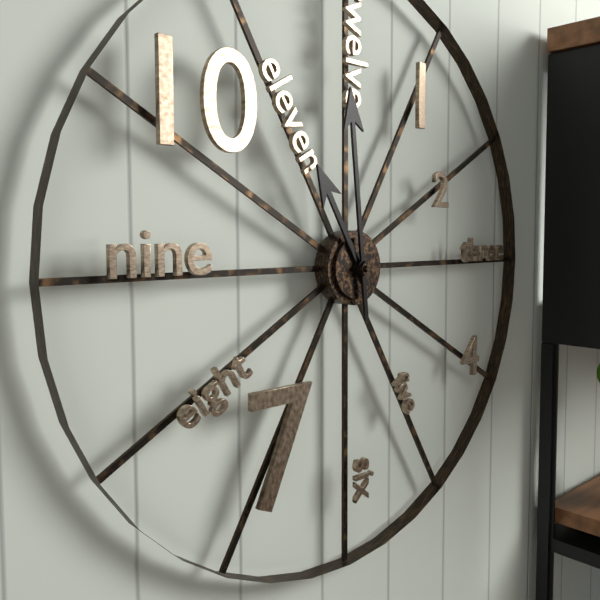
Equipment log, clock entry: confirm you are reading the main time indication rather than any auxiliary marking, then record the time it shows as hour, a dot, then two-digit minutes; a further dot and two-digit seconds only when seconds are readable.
10.59
